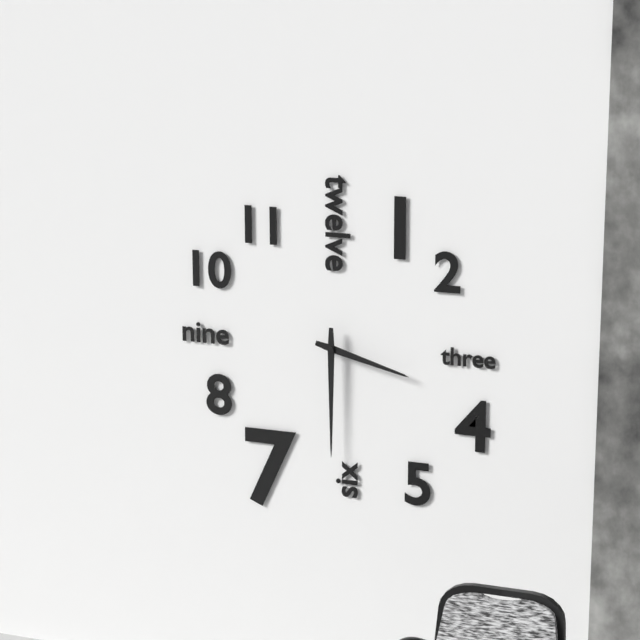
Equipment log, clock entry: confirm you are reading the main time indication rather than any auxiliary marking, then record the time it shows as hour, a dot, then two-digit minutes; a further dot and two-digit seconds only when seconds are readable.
3.30
